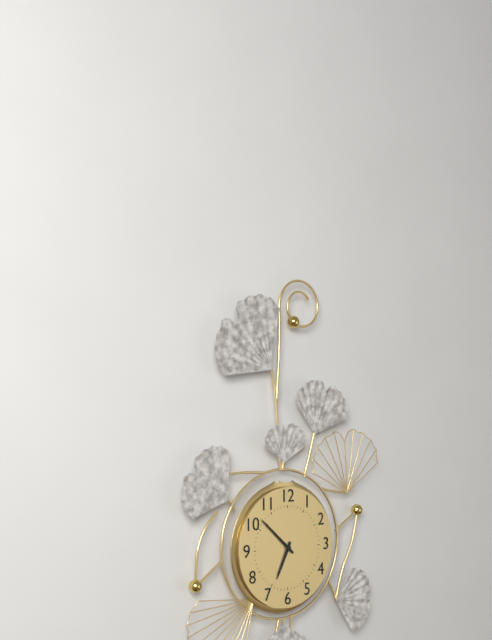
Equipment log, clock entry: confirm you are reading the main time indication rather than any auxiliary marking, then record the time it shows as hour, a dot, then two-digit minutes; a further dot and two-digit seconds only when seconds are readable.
6.52
